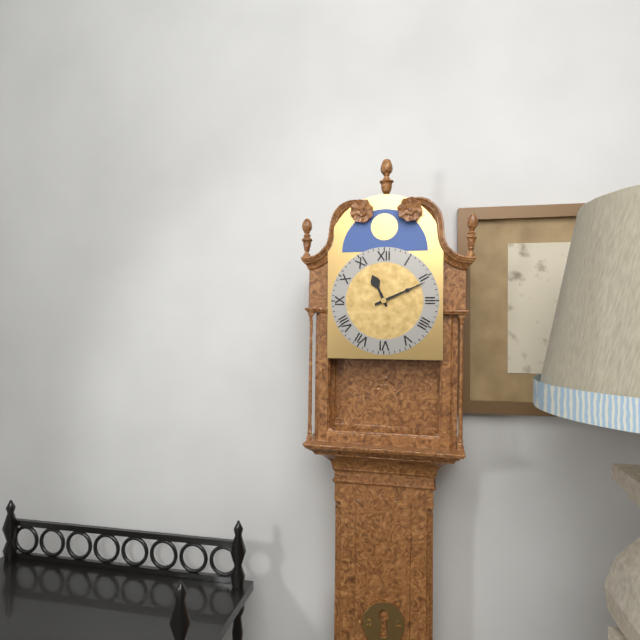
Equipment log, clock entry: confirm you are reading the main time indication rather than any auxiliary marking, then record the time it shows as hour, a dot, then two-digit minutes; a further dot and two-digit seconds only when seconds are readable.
11.11
